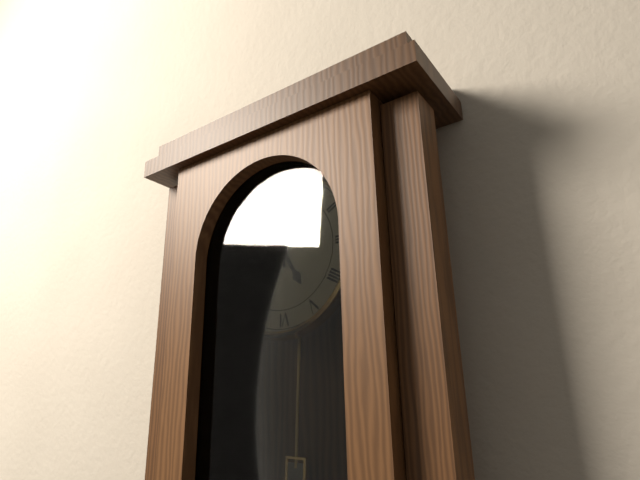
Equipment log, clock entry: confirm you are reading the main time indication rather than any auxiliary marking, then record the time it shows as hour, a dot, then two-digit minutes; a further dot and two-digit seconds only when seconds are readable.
4.59
